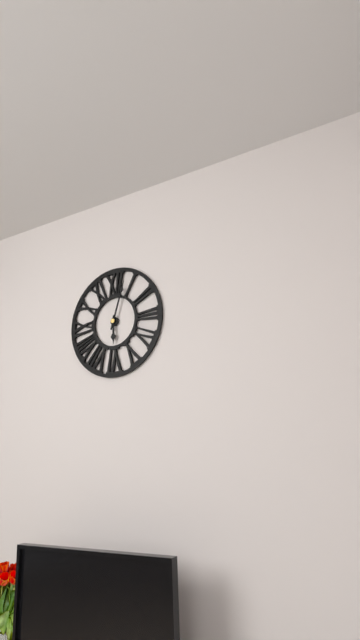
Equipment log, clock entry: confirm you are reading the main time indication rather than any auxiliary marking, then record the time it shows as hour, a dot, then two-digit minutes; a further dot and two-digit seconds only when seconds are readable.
6.03
